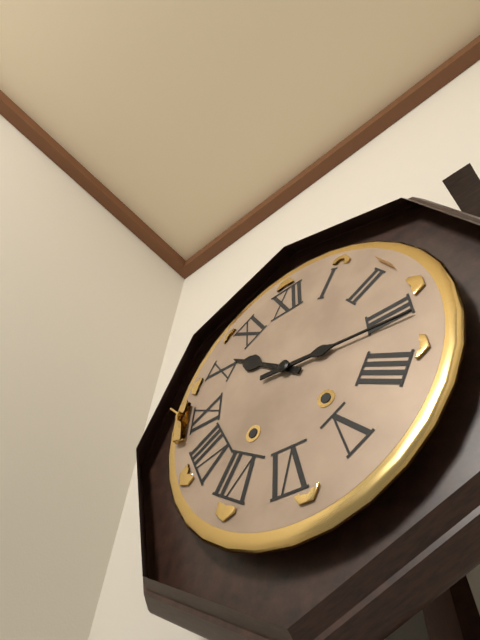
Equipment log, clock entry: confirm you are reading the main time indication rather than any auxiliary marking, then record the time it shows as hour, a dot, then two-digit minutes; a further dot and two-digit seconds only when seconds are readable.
10.16
